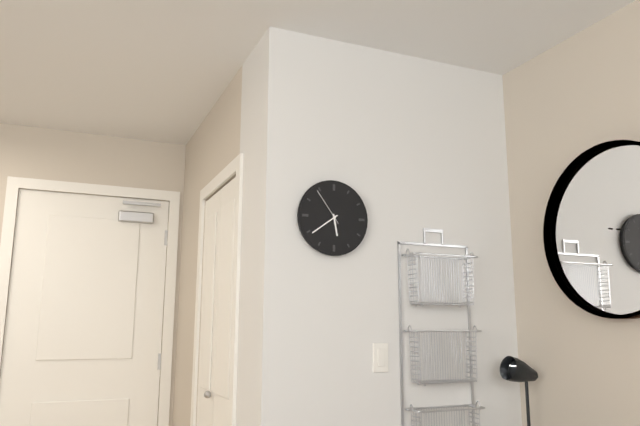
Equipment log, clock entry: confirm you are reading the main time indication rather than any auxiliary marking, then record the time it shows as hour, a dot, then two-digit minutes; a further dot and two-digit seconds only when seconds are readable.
5.39
